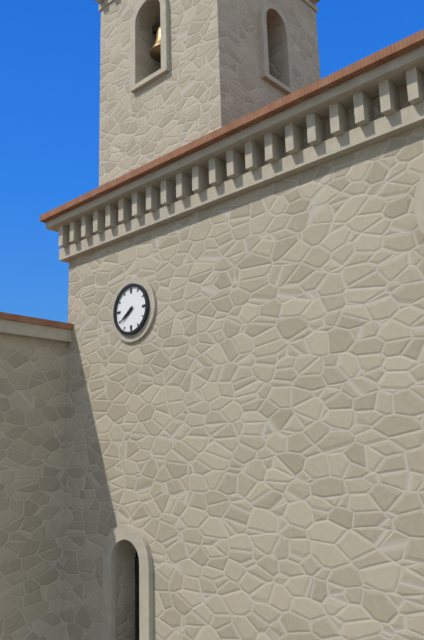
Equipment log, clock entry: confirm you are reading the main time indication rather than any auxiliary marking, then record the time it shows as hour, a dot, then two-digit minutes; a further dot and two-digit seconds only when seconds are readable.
7.39
